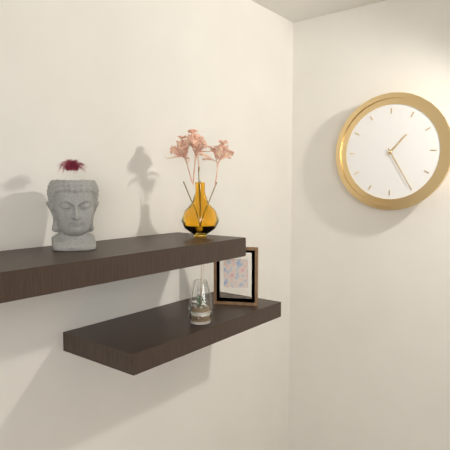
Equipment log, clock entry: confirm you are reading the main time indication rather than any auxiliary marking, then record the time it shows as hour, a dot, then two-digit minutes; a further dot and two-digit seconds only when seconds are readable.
1.25
